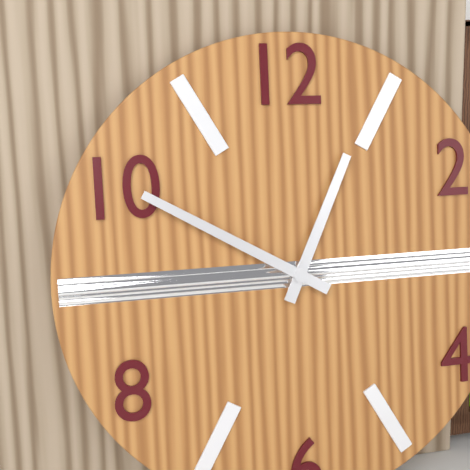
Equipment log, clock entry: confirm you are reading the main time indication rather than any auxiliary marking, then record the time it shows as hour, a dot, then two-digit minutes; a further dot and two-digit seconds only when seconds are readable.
12.50
